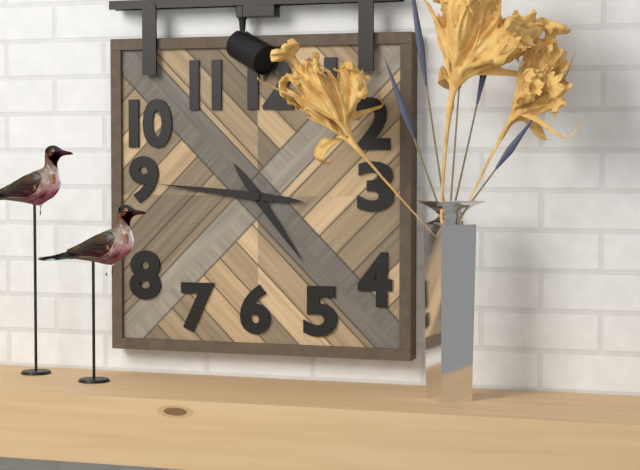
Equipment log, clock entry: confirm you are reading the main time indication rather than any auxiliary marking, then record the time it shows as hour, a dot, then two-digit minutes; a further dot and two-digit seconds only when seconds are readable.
4.46
